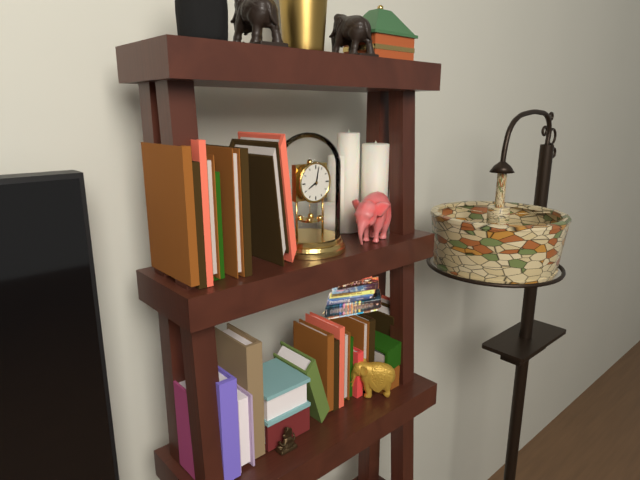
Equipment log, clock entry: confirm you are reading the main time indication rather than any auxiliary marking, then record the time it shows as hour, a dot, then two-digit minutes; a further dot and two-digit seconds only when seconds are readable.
8.02
